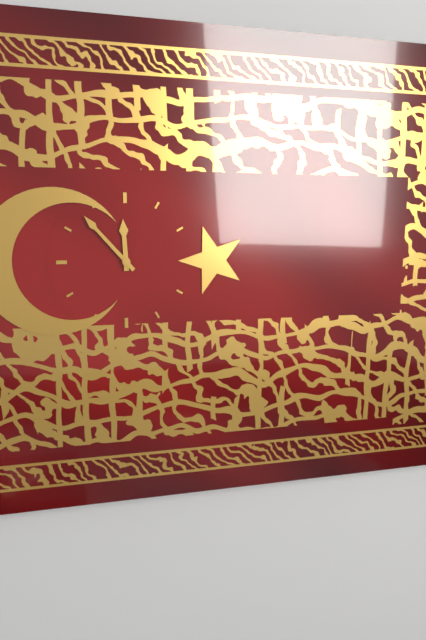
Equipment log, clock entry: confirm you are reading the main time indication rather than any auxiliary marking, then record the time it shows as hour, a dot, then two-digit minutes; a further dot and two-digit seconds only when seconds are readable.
11.53
